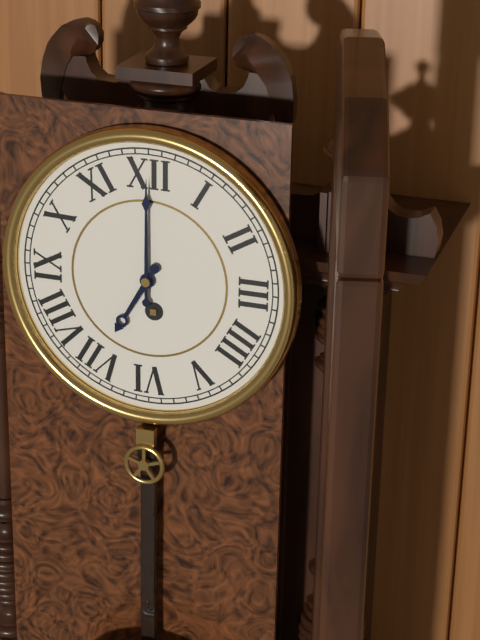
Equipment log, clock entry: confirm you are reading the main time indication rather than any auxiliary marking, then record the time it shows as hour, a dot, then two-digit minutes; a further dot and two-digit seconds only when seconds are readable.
7.00
